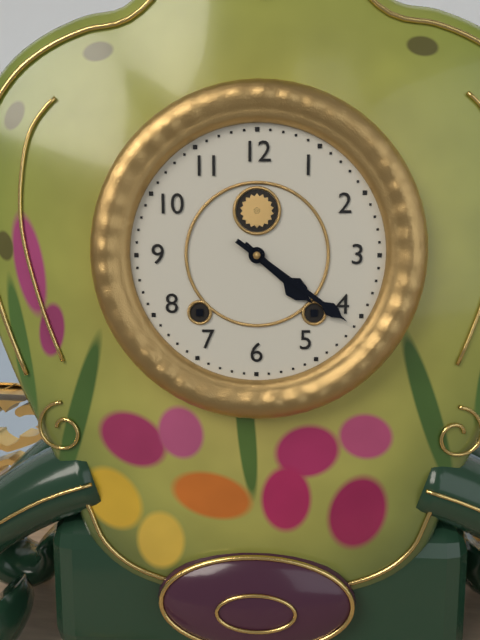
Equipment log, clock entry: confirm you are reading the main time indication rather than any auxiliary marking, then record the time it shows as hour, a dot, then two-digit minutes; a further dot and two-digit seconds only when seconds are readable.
4.21
